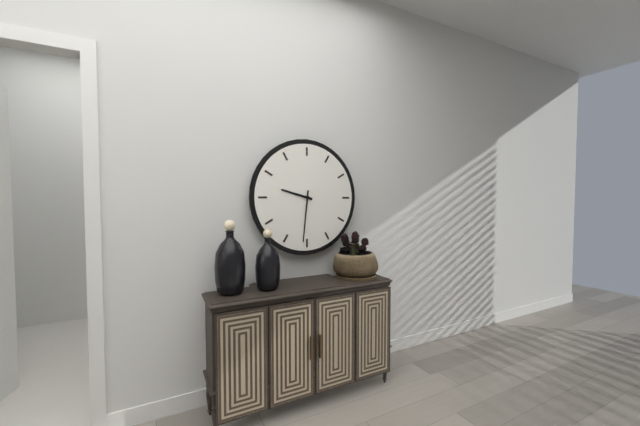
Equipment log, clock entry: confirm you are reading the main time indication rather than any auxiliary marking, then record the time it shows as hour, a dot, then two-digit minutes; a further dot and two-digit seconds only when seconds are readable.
9.31
